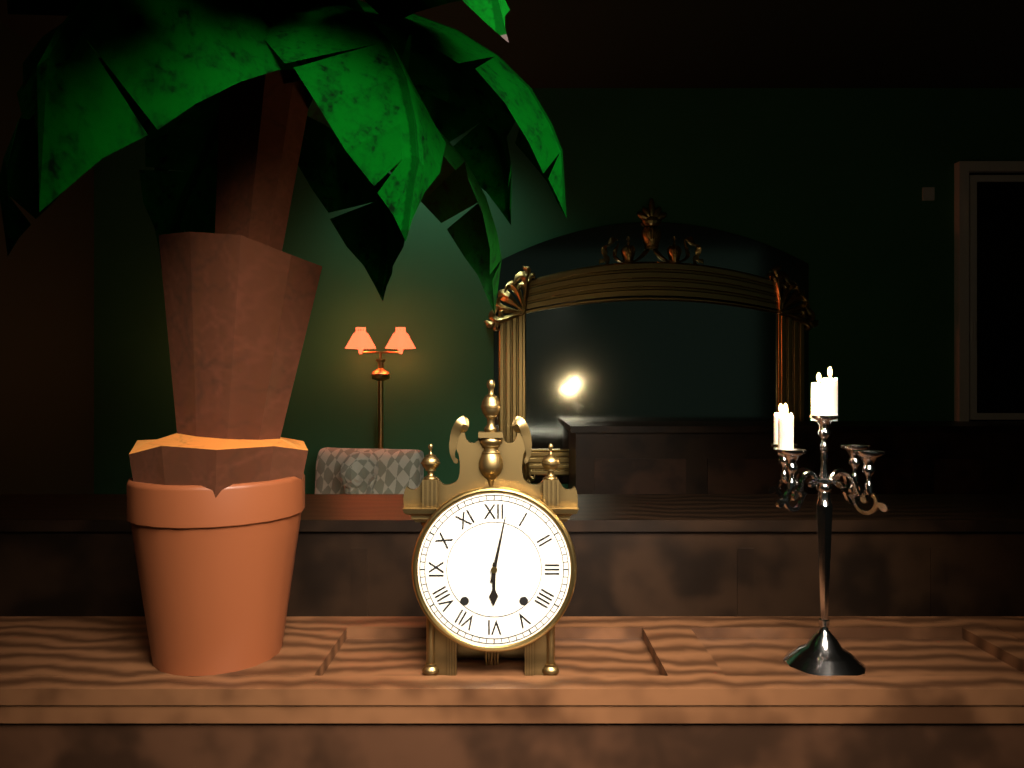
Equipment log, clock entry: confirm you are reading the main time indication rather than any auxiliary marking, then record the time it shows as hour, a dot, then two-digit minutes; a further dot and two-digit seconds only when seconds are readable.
6.02
